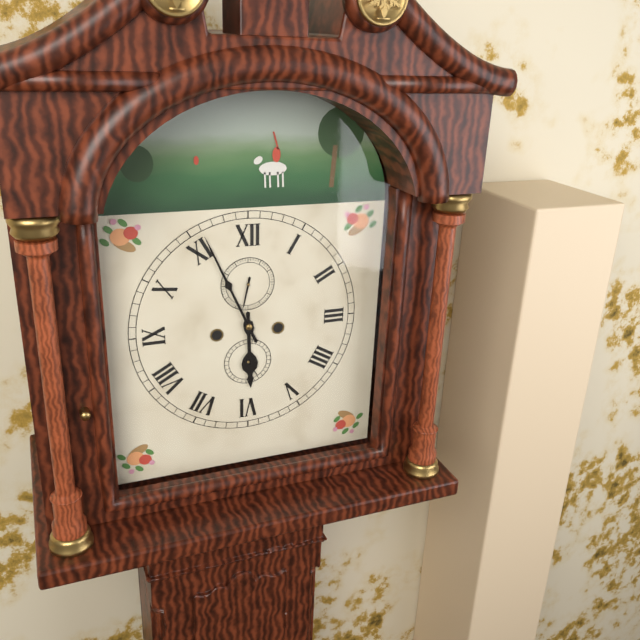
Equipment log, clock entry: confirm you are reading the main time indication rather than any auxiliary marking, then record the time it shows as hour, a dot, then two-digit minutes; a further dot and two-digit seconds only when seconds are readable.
5.56
